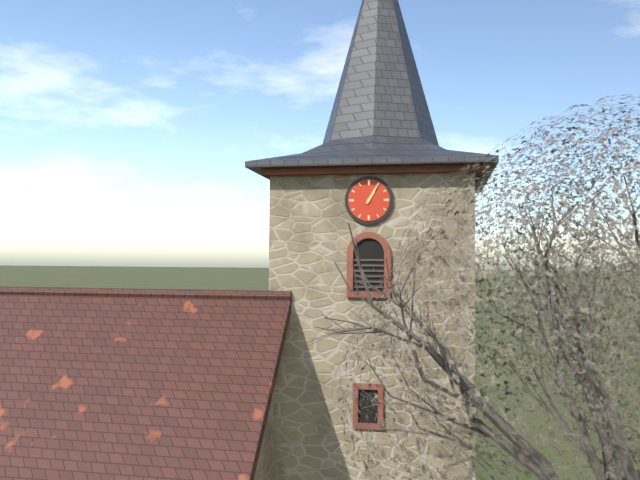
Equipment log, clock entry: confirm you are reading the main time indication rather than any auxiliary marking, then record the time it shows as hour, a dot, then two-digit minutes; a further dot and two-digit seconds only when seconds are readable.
1.05
